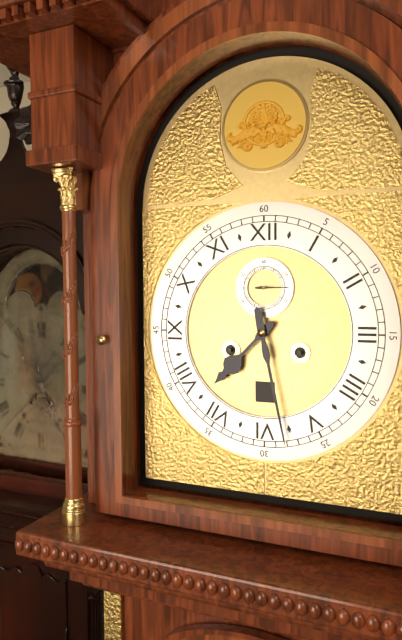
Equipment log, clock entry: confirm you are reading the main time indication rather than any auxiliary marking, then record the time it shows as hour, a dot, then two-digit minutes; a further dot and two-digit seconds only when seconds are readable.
7.28
